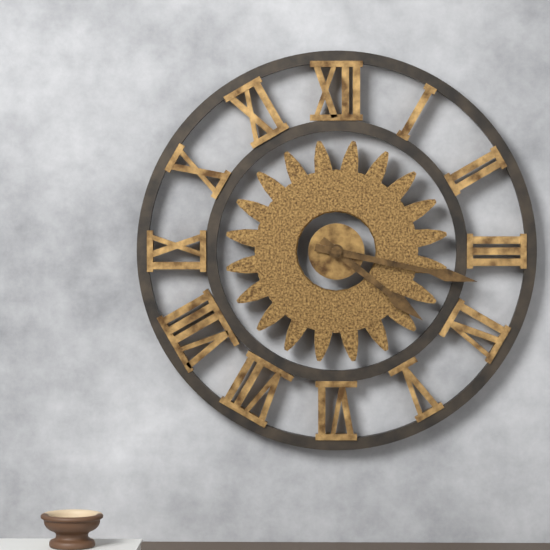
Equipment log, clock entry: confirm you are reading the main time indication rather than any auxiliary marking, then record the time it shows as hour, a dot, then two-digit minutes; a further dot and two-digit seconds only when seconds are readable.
4.17
